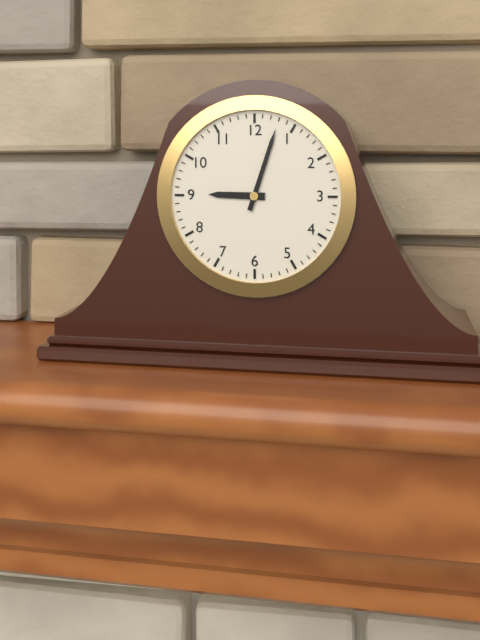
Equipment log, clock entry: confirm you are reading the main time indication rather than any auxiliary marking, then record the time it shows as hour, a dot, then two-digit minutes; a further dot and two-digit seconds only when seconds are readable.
9.03
